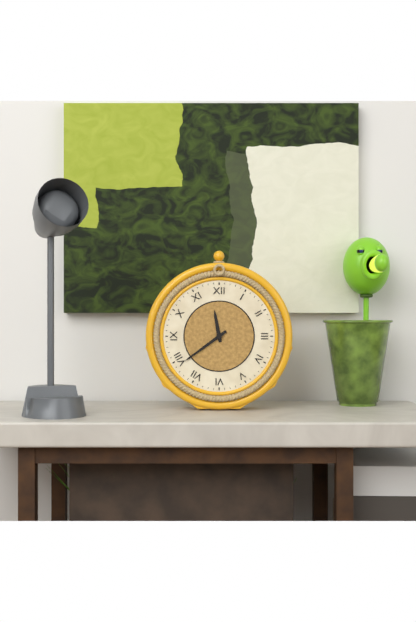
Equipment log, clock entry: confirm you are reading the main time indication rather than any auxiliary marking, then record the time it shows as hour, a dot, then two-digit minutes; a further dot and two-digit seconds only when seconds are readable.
11.39
